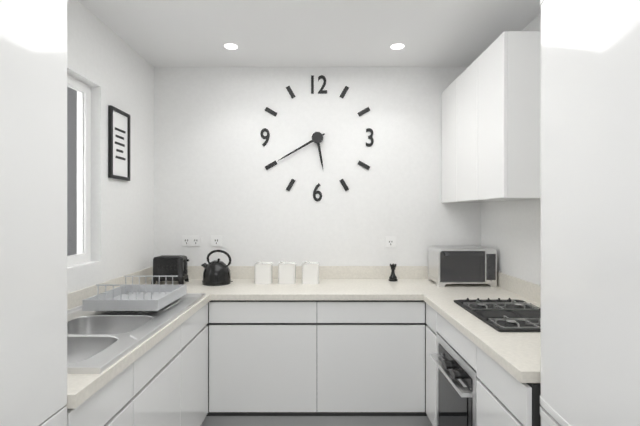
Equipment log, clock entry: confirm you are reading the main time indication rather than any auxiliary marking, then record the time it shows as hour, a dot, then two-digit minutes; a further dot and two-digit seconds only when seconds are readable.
5.40
